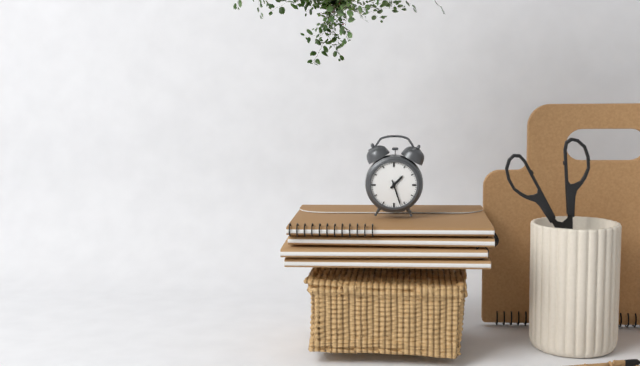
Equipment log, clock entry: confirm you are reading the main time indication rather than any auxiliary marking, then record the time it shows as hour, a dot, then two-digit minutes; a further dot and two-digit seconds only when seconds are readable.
1.27
